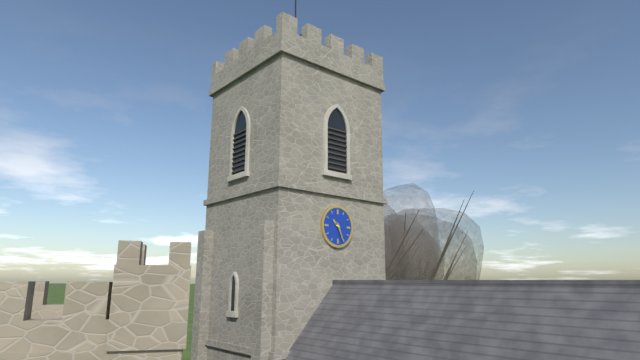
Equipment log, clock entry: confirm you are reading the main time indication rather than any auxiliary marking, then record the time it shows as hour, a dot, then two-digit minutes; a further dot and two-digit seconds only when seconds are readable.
10.26
